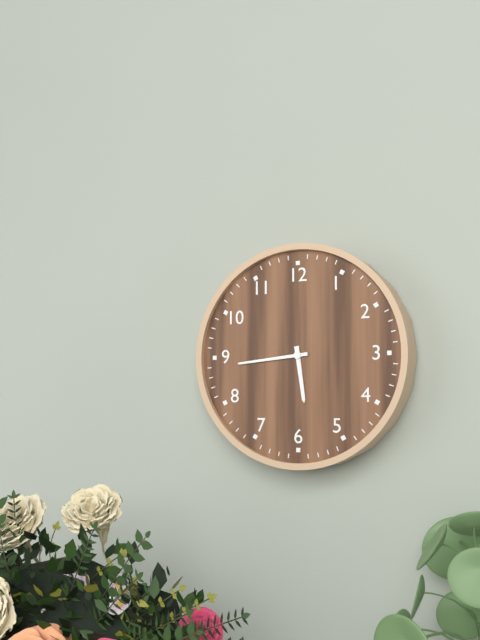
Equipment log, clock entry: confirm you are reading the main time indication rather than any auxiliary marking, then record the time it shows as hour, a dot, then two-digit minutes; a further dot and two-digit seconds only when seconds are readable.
5.44
